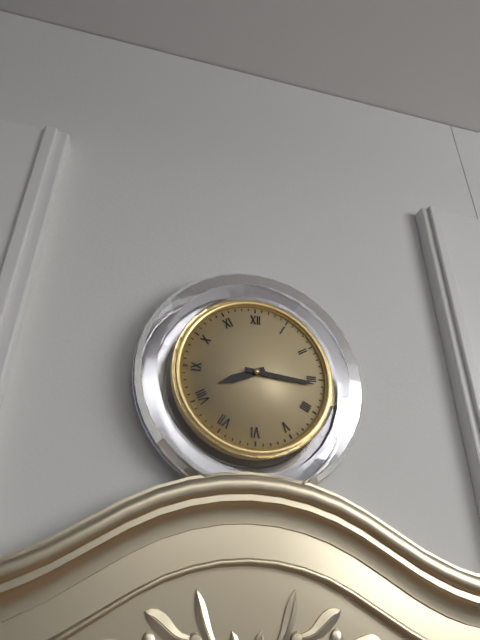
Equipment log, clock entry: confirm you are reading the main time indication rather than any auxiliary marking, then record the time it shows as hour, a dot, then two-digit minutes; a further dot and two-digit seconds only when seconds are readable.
8.16
